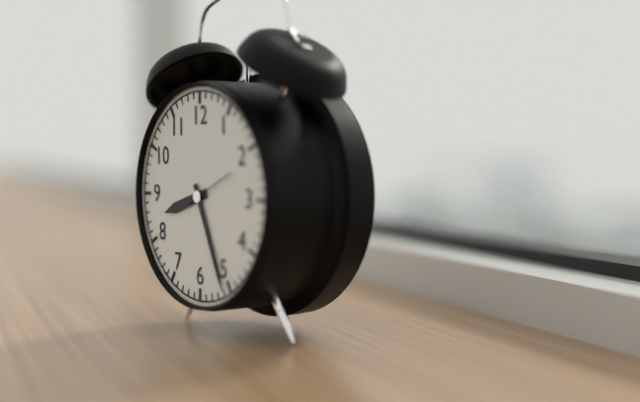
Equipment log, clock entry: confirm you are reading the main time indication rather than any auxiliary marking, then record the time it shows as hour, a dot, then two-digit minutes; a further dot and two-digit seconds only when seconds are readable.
8.26
